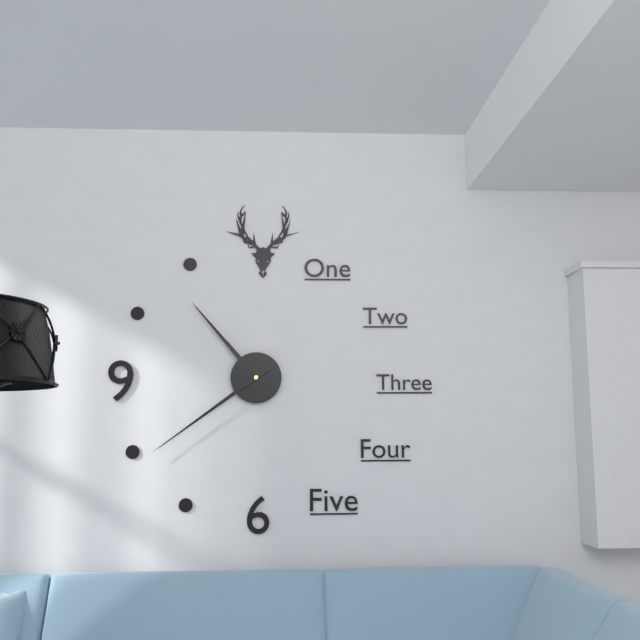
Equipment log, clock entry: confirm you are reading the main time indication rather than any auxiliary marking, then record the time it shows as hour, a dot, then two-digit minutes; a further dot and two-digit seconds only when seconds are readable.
10.39
